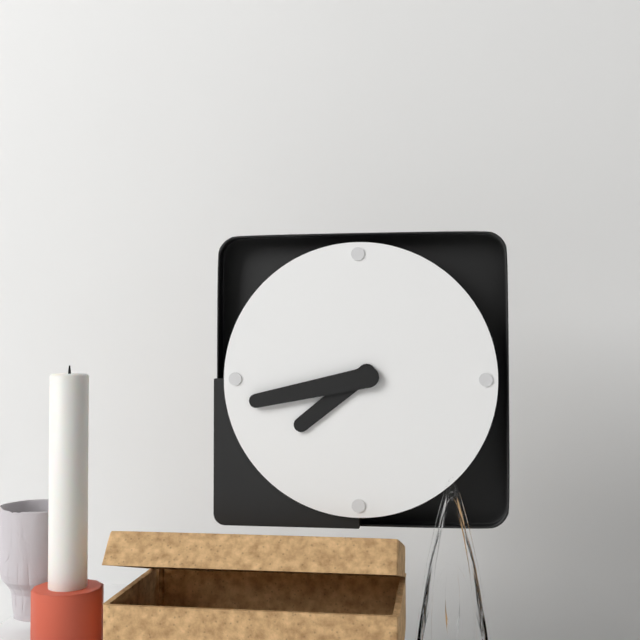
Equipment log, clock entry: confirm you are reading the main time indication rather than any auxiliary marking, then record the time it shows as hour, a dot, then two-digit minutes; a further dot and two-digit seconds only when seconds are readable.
7.43
